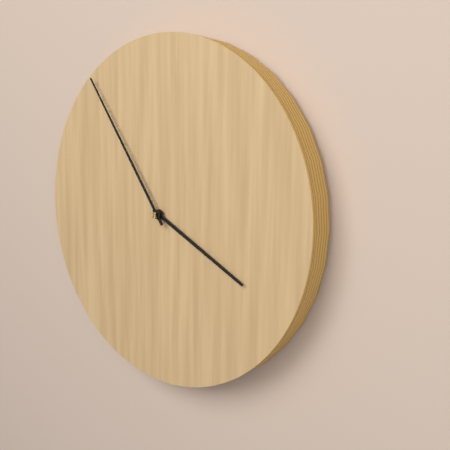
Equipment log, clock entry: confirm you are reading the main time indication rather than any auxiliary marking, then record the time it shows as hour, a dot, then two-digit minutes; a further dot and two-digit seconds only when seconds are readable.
3.54
